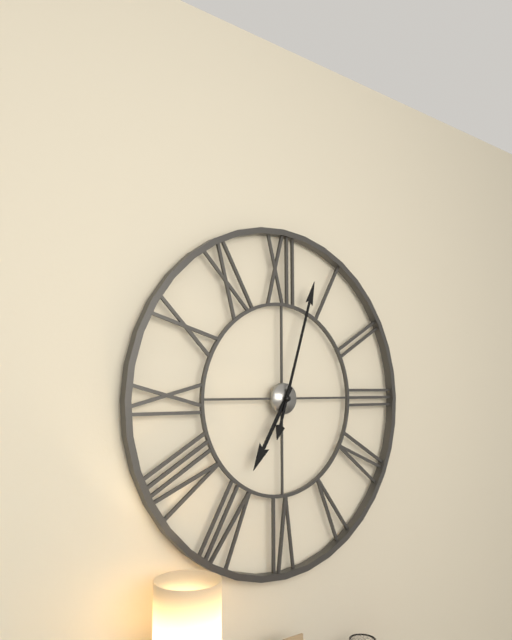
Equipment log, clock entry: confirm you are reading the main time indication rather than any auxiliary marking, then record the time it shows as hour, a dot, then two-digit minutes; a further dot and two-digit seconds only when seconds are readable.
7.03
